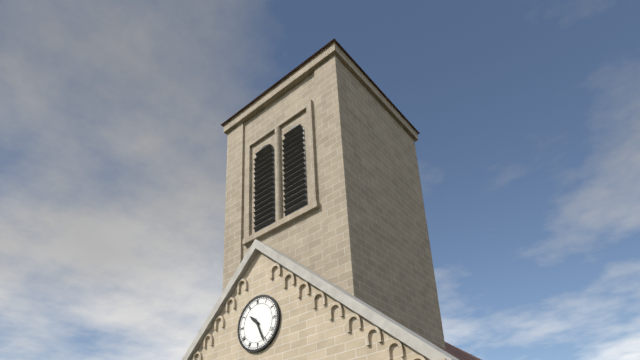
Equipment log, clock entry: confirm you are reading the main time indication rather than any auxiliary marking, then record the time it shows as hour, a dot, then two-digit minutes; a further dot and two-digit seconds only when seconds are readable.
10.26
